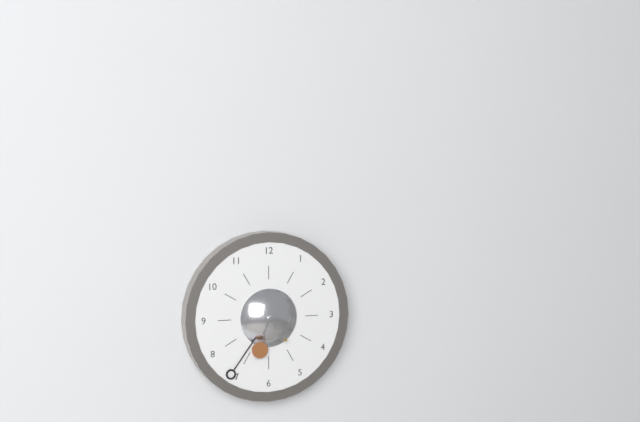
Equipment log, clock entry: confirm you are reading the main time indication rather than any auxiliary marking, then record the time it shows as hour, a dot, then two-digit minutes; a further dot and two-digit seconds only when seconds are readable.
6.36
